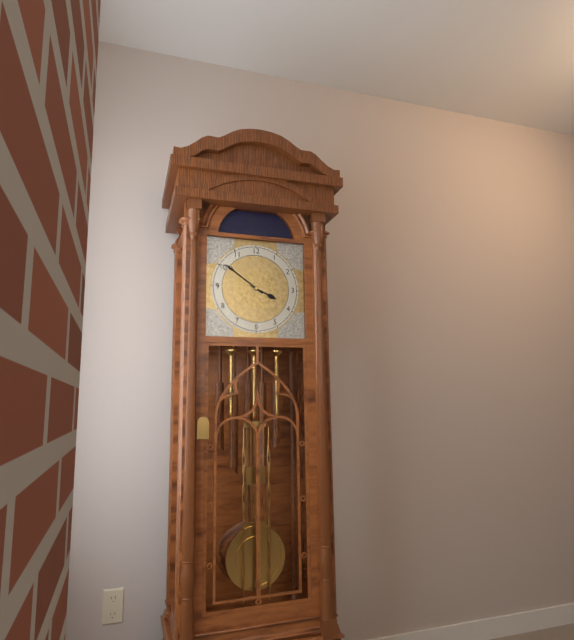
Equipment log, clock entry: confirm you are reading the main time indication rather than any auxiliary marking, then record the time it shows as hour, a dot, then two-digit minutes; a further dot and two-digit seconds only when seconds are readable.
3.51
